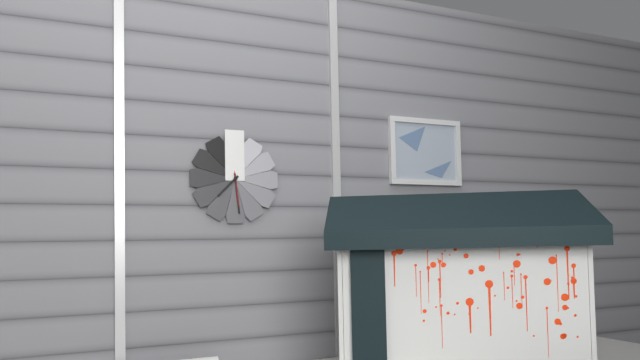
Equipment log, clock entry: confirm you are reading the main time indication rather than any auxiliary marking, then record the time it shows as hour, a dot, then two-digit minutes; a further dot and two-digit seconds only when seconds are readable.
7.29
